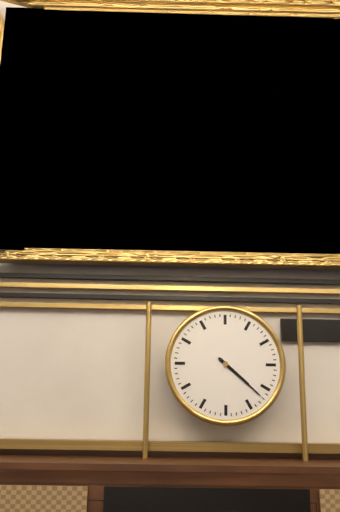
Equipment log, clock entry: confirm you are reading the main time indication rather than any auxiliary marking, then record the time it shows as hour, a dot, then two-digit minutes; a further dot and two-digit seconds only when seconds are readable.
4.22
